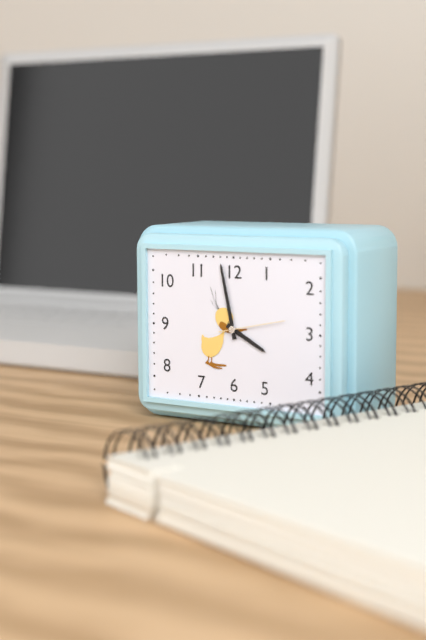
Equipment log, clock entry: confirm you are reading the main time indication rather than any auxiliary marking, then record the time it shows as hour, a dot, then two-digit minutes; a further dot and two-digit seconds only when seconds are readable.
3.58
